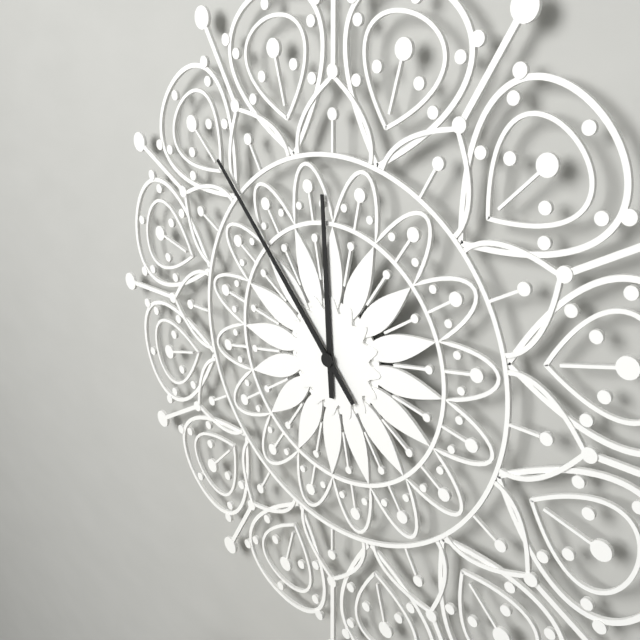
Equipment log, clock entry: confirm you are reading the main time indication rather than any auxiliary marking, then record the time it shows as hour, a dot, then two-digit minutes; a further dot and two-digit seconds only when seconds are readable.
11.53
